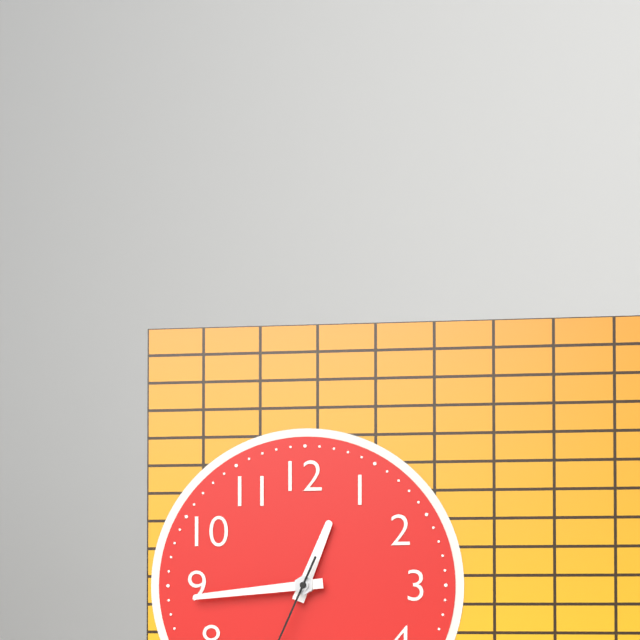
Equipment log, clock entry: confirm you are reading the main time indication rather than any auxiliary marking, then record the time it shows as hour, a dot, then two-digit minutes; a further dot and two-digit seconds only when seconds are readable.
12.44
